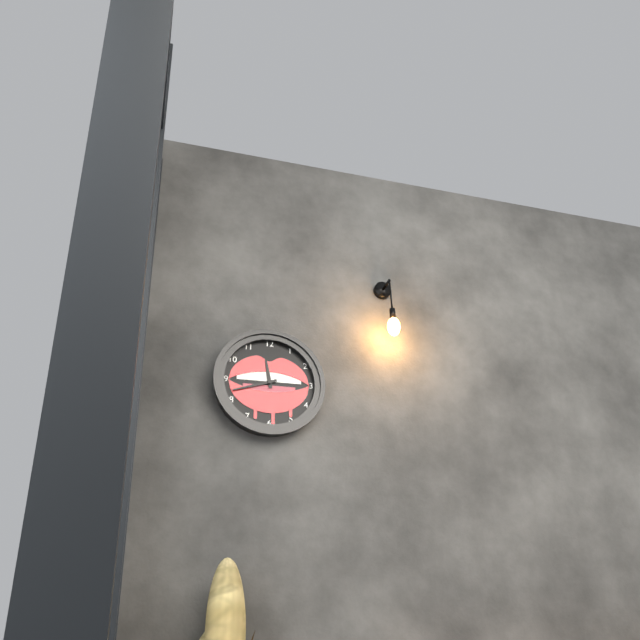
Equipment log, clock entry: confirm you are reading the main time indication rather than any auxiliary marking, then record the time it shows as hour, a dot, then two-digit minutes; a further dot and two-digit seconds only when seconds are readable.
11.42
